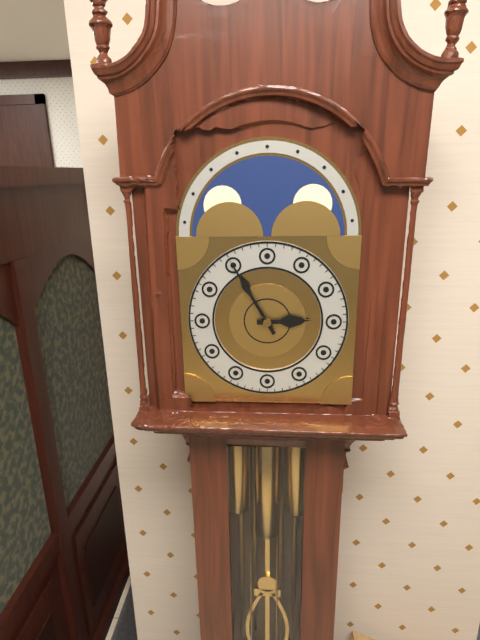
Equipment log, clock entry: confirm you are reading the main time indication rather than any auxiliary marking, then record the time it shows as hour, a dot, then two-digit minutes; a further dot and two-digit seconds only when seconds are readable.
2.55
